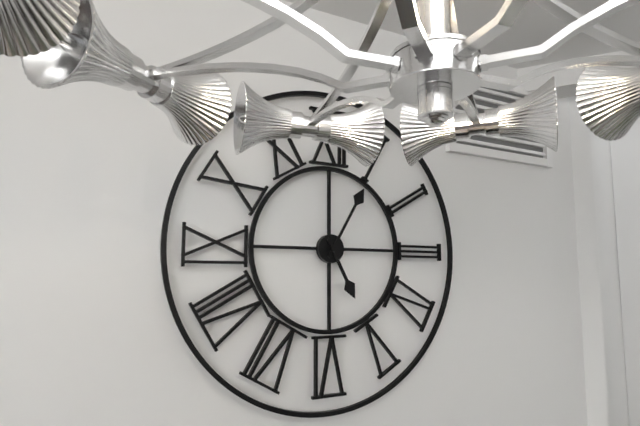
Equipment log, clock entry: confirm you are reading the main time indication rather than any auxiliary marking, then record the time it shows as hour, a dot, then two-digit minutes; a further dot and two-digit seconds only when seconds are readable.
5.05
